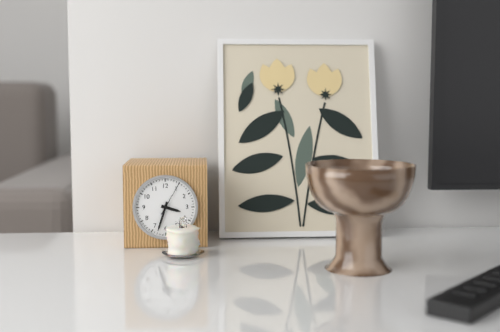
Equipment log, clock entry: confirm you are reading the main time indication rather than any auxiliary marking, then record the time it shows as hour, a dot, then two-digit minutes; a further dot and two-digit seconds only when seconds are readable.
3.33
